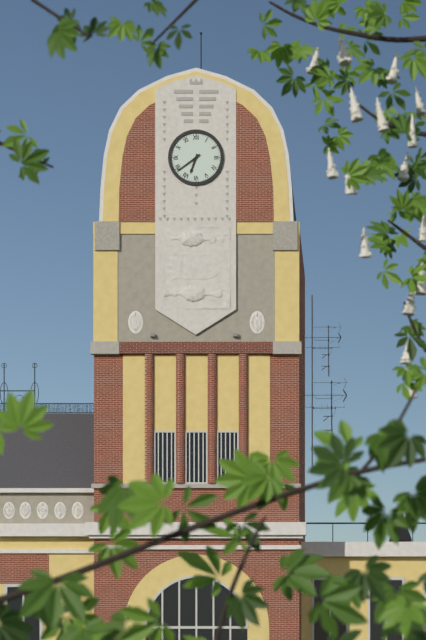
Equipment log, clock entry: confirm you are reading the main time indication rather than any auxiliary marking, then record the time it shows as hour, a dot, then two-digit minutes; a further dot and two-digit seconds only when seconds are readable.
6.39
